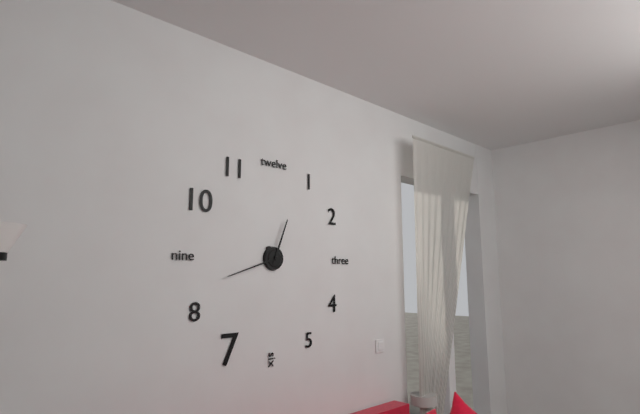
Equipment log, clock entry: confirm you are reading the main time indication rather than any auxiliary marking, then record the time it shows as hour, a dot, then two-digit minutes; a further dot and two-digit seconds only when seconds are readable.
12.42
